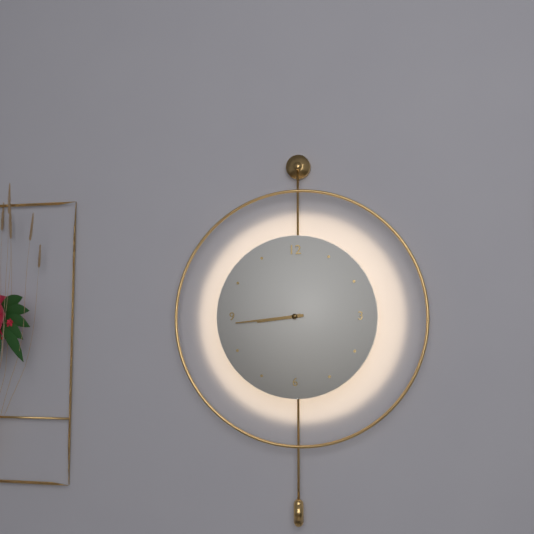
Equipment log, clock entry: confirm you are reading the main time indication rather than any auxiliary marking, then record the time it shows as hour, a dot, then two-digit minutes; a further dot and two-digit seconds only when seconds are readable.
8.44
